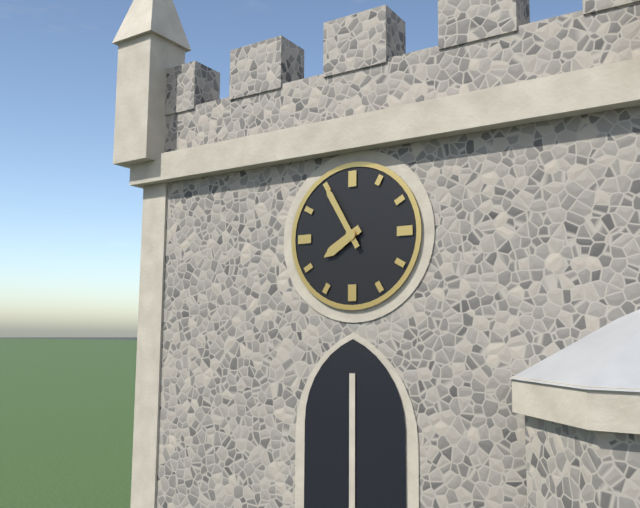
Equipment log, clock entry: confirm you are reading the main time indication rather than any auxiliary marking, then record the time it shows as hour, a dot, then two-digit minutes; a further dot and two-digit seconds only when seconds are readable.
7.55
